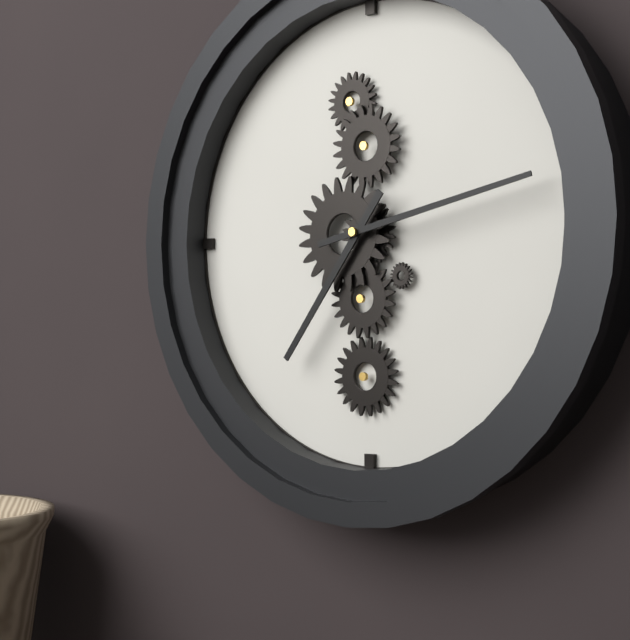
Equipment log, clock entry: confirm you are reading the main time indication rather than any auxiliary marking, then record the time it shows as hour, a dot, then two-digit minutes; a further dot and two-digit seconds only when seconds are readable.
7.13
